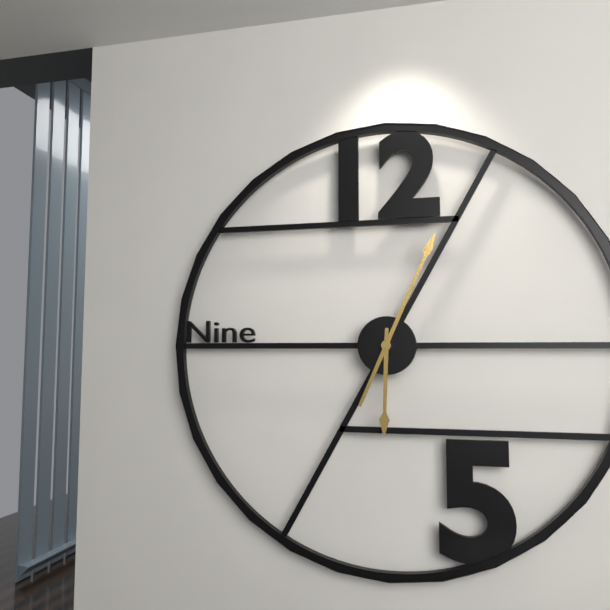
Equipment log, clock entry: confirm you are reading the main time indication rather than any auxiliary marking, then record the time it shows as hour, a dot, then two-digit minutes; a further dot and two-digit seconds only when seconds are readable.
6.04
